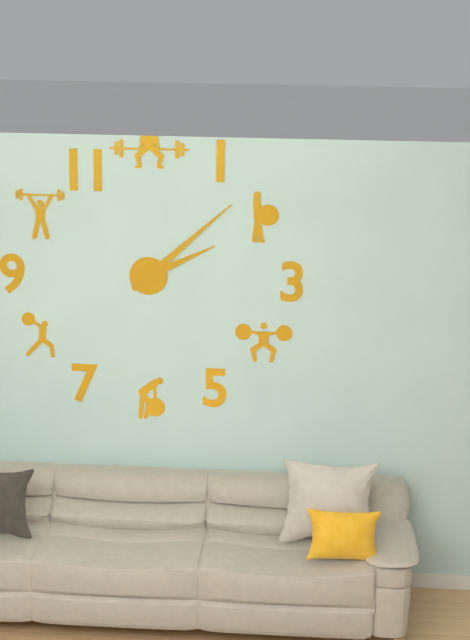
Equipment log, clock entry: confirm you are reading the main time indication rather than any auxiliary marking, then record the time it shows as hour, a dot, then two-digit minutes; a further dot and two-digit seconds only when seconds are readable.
2.08
